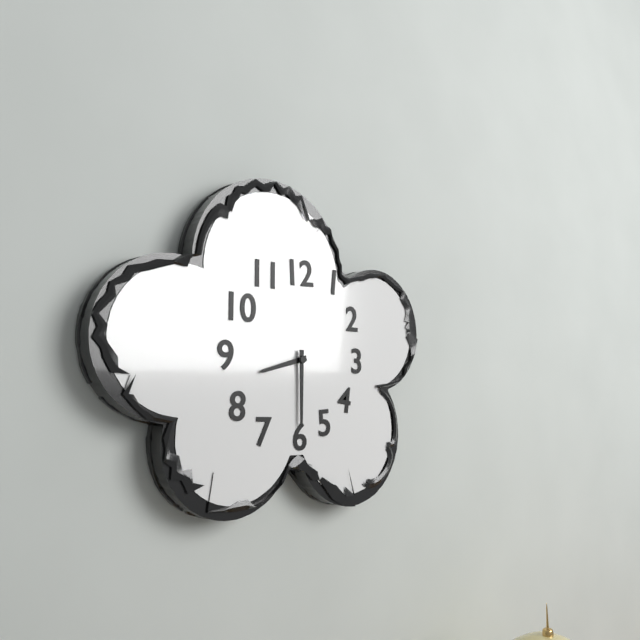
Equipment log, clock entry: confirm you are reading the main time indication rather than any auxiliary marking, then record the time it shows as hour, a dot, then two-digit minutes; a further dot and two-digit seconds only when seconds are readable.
8.30
